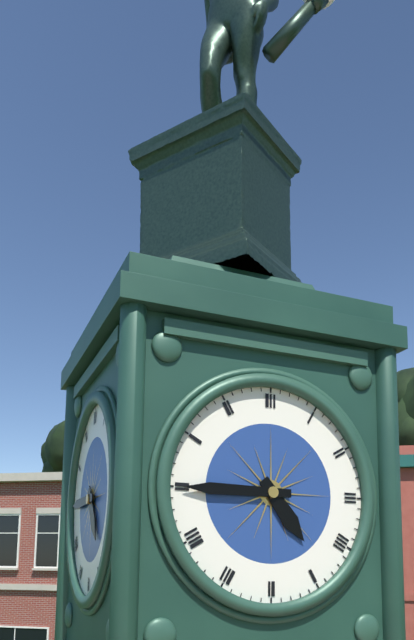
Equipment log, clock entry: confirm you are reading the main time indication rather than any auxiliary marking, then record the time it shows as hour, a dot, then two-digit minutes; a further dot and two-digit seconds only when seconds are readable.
4.45
